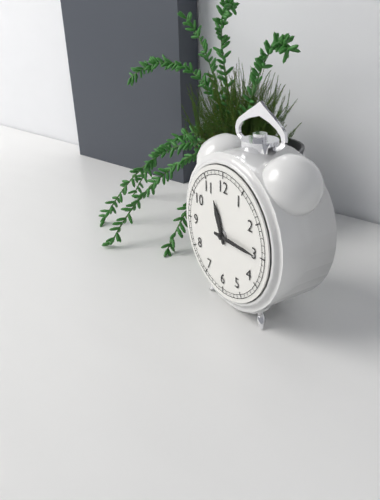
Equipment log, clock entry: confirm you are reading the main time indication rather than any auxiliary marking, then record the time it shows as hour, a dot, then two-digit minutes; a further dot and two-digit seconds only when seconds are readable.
11.15
